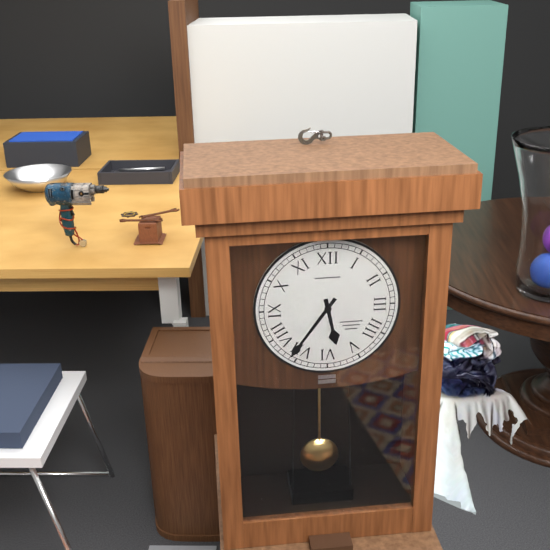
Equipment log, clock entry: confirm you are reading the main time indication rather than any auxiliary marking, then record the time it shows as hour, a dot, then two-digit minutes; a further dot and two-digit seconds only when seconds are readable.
5.36
